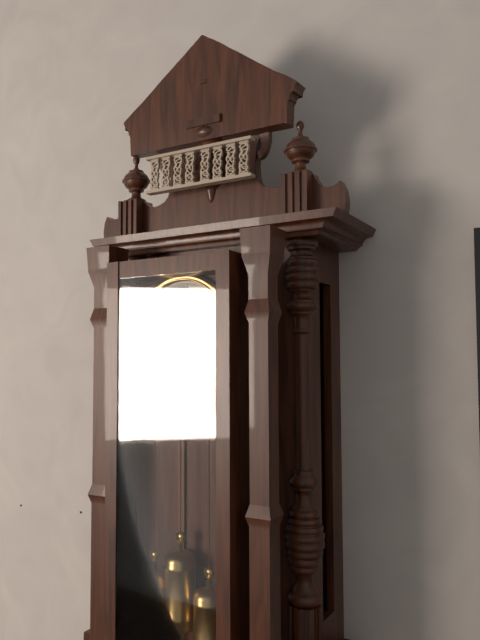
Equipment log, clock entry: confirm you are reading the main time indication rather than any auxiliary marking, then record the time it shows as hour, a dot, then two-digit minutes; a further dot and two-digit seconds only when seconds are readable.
5.37
